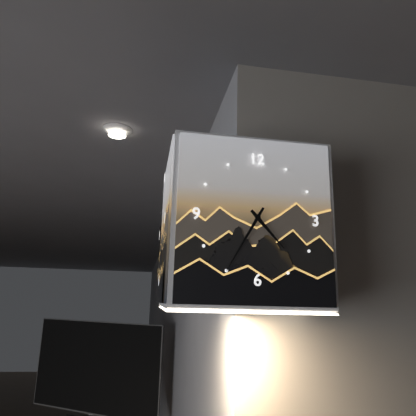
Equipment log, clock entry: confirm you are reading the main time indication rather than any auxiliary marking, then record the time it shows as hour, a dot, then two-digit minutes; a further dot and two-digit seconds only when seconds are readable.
4.35
